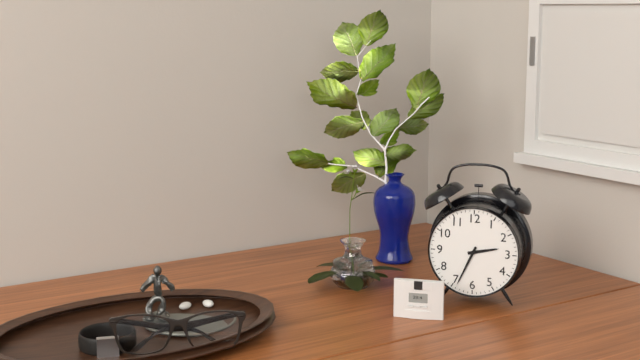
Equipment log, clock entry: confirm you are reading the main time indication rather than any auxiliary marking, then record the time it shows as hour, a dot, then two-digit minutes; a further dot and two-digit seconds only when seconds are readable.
2.34
